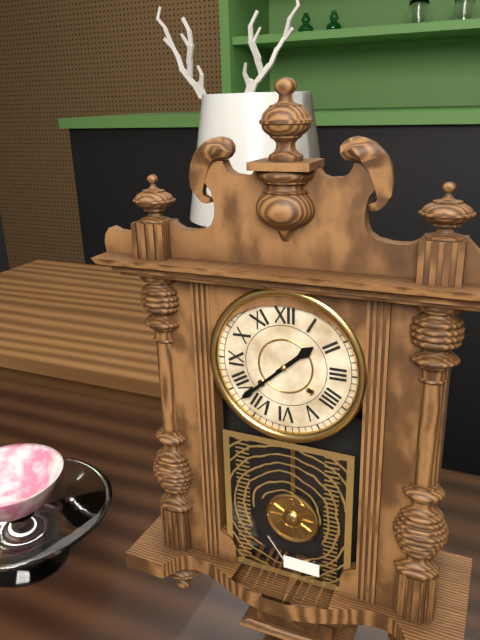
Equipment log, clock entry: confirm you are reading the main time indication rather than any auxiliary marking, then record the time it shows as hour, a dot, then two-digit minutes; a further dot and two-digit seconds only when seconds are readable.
1.38
